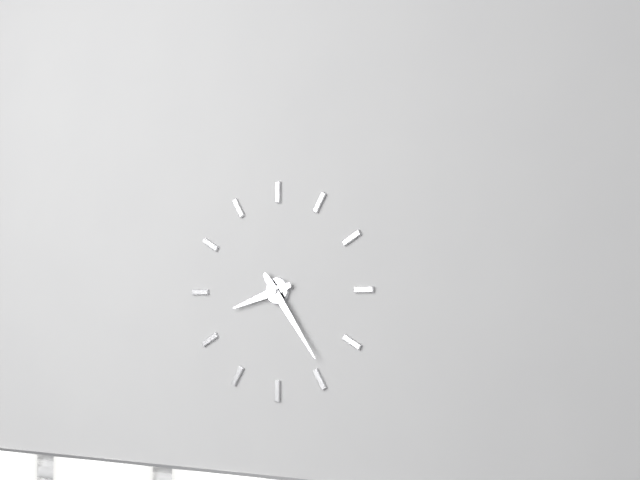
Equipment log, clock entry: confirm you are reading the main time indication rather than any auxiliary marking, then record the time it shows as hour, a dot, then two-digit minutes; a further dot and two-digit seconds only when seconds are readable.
8.24
